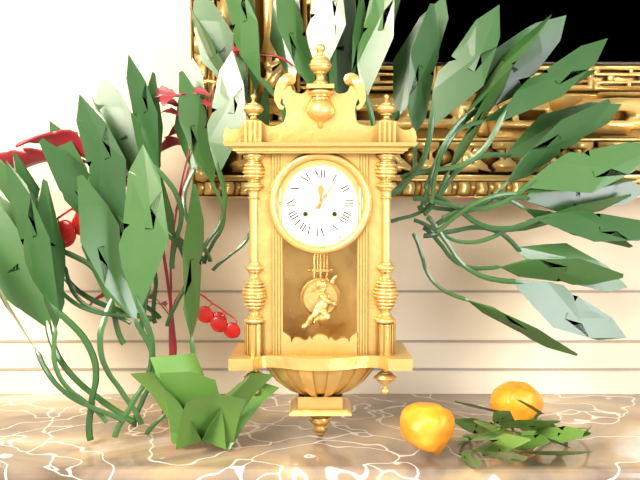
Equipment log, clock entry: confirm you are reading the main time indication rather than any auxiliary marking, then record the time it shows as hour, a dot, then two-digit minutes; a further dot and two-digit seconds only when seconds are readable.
12.06
